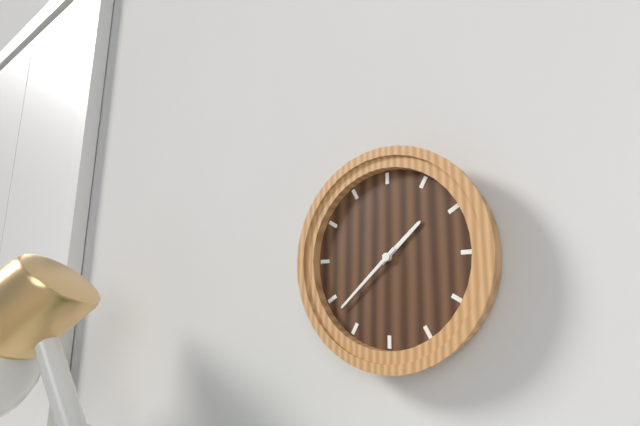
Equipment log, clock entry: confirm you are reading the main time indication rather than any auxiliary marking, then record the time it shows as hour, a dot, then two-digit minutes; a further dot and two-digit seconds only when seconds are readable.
1.38
